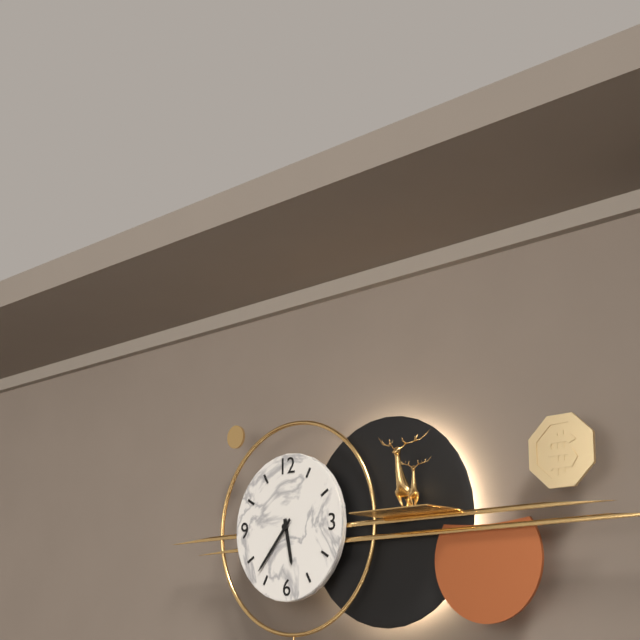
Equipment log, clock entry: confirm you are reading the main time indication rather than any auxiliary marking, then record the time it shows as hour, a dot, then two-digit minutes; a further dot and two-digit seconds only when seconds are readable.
5.37
